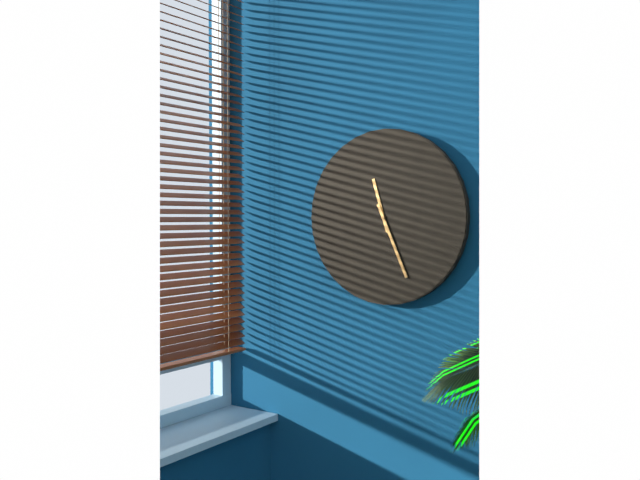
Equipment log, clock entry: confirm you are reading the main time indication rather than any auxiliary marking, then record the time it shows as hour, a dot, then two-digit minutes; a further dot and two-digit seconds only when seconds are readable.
11.26
